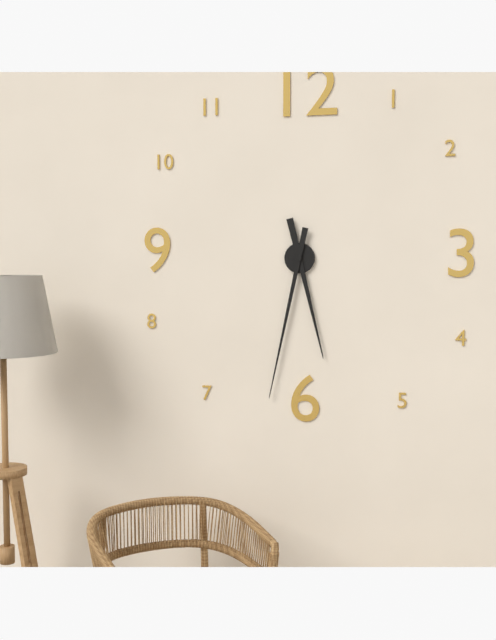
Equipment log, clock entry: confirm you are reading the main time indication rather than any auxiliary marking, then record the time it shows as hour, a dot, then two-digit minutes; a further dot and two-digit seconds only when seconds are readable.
5.32
